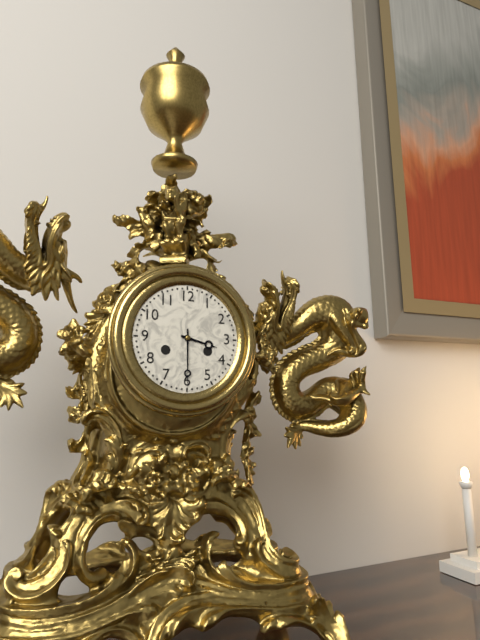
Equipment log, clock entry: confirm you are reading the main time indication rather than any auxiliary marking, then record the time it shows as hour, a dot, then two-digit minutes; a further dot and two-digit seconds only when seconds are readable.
3.30
